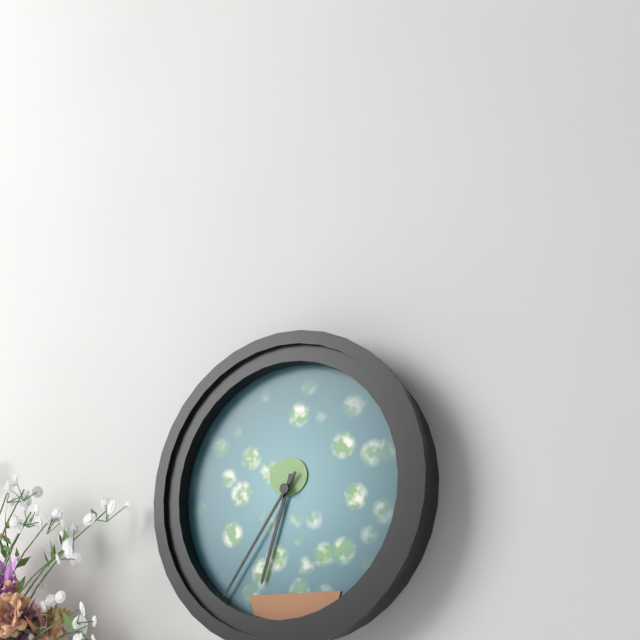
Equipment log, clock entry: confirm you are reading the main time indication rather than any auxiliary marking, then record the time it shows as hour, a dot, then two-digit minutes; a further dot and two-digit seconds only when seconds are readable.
6.36
